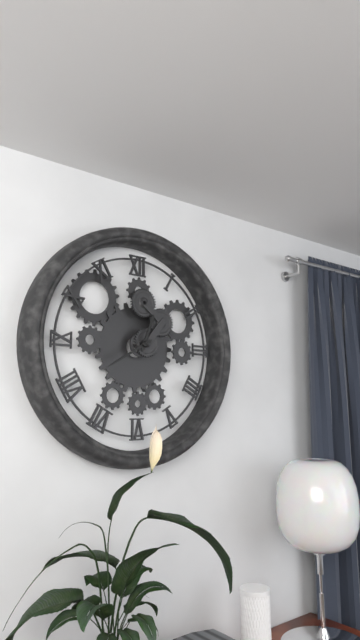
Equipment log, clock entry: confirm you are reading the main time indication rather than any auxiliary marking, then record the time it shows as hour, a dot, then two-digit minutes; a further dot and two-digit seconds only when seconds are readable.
12.40
